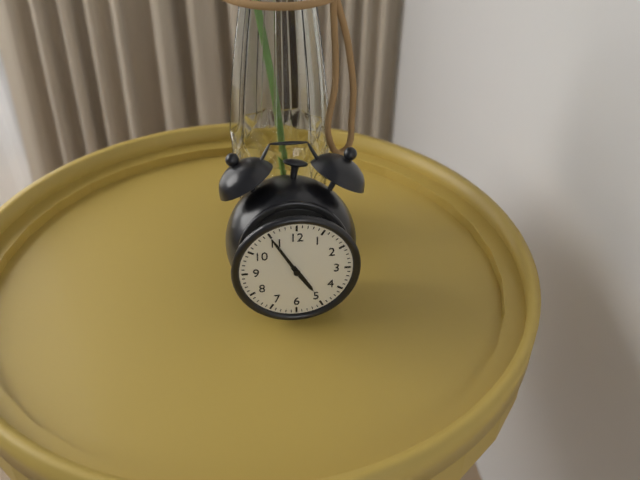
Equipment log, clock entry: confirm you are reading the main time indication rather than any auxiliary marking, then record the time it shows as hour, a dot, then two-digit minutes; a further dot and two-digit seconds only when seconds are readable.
4.55
